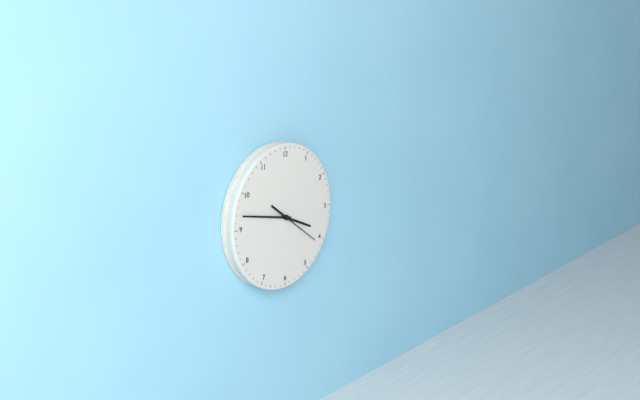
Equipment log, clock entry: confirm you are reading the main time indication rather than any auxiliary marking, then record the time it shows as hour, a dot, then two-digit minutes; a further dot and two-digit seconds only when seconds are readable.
3.47
